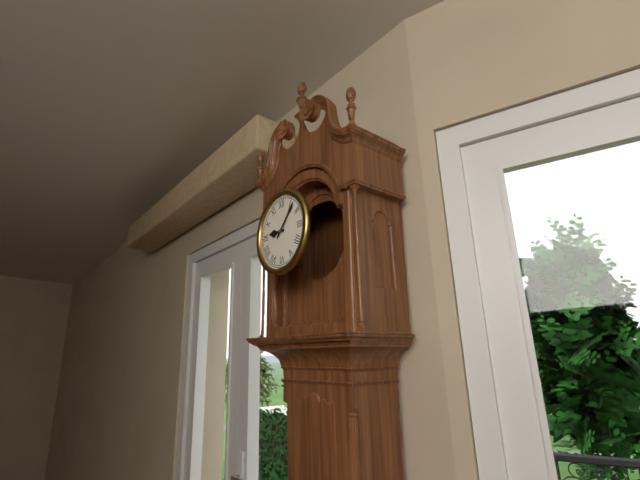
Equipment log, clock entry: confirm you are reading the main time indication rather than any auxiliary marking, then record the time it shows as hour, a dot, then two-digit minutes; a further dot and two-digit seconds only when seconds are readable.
9.07
